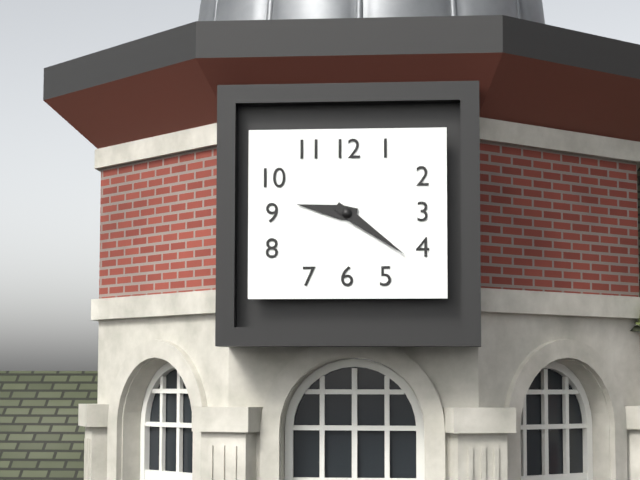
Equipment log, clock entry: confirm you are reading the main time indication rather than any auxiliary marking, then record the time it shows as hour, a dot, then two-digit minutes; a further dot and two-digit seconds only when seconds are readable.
9.21
